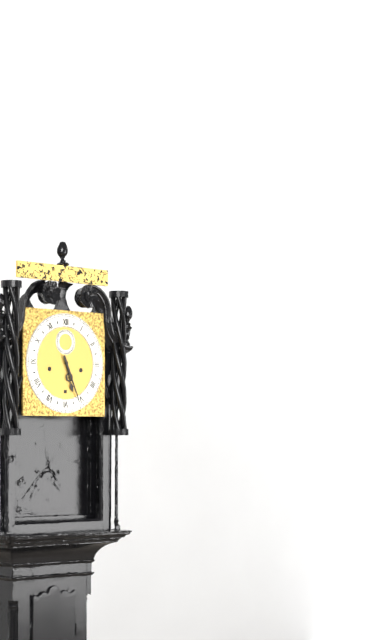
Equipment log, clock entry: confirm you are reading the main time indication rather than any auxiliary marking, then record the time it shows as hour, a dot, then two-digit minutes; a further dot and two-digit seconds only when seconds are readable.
5.26
